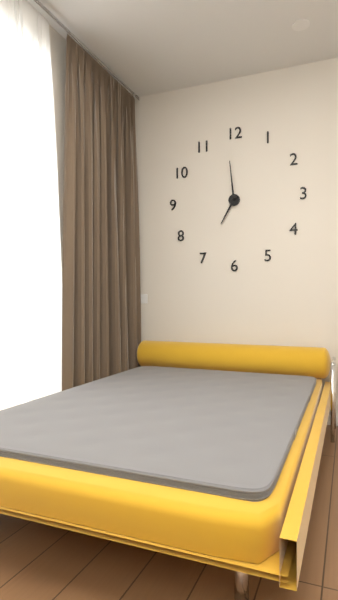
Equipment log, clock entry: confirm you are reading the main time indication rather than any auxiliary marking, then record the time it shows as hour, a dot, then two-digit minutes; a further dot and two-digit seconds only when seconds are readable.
6.59
